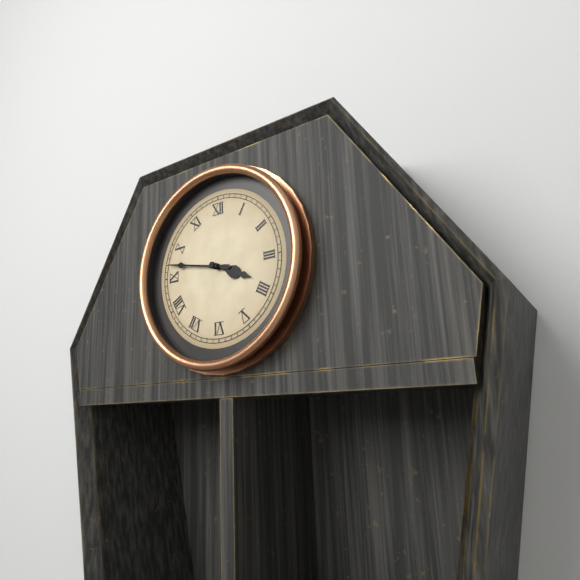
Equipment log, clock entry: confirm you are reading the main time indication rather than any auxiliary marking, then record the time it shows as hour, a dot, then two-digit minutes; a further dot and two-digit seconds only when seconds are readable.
3.47
